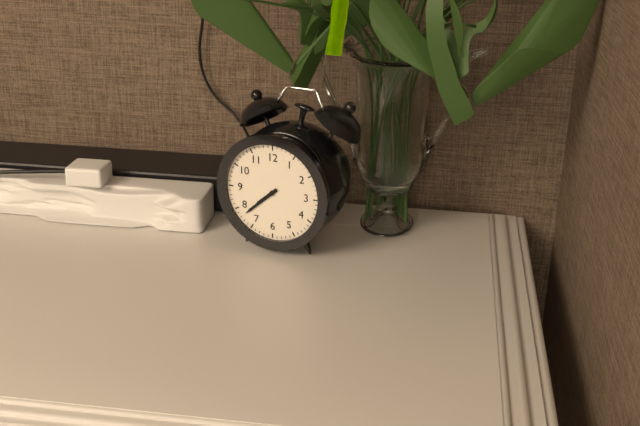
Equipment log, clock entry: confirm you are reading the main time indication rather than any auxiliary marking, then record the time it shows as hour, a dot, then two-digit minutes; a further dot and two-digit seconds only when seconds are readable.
7.38
